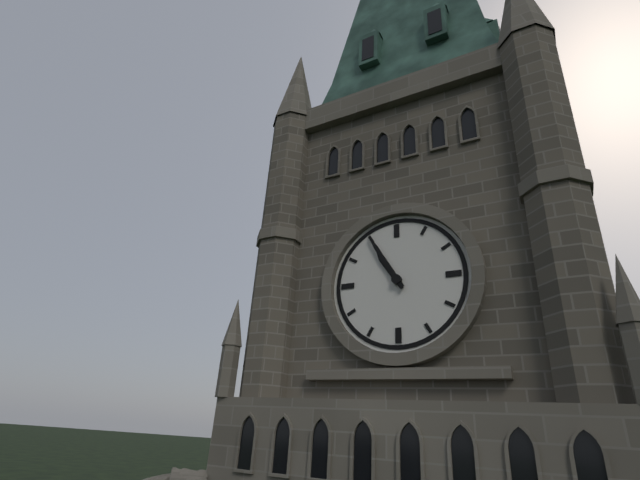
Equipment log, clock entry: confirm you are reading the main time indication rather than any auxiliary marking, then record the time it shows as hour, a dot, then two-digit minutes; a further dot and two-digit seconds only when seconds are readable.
10.55
